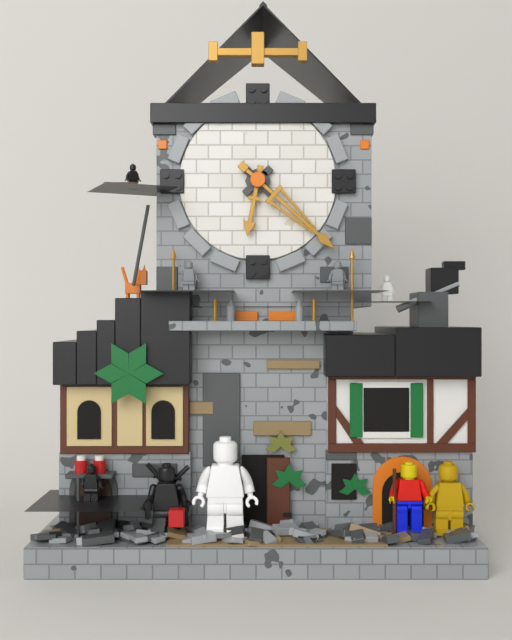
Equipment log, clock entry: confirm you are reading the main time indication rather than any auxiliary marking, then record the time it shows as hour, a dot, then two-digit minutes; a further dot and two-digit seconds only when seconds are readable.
6.22
